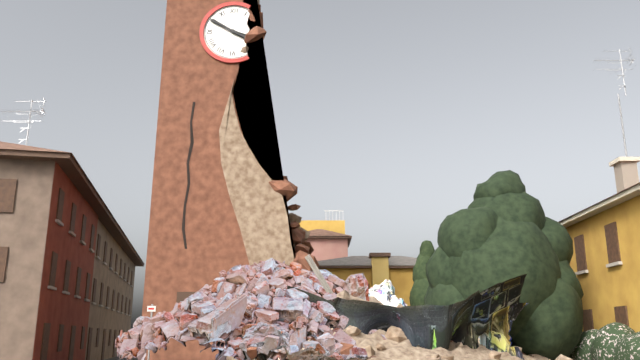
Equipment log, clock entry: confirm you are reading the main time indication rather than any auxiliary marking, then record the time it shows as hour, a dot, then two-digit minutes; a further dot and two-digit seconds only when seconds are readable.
3.50
